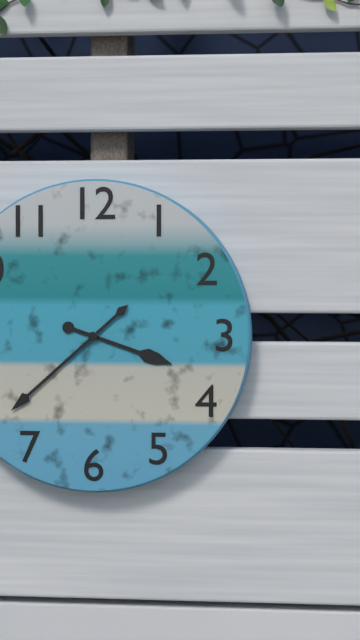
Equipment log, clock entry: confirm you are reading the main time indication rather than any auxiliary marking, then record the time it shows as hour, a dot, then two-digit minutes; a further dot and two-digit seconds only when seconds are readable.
3.38
